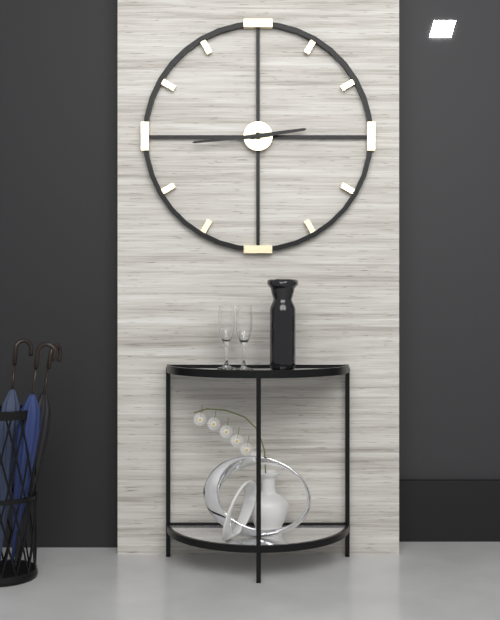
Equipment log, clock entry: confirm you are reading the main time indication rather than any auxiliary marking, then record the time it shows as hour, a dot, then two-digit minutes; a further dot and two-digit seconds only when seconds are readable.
2.44
